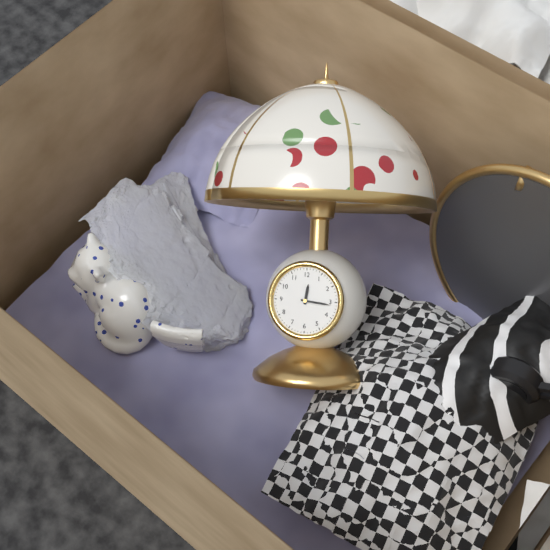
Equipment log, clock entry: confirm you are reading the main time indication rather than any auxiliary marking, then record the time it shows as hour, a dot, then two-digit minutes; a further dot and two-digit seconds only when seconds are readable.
12.16
